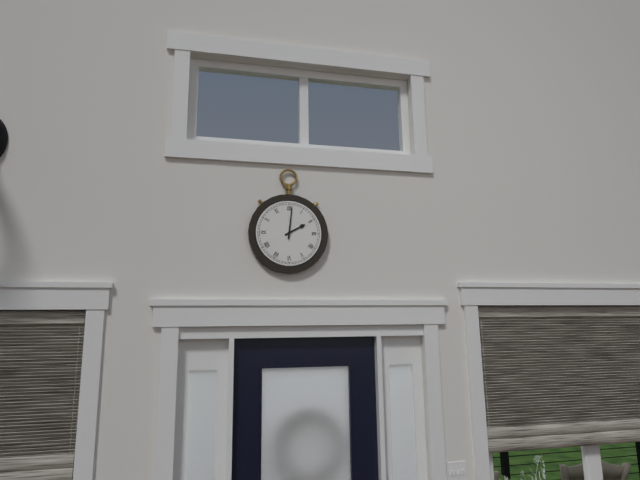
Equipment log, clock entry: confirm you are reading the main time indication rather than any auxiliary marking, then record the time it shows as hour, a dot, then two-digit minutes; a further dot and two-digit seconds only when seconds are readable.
2.01
